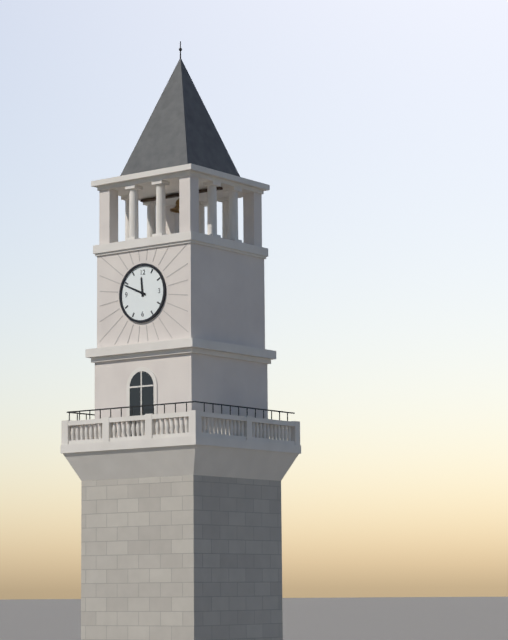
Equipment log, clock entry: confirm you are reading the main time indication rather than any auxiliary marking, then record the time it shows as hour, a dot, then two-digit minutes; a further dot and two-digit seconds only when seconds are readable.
11.49
